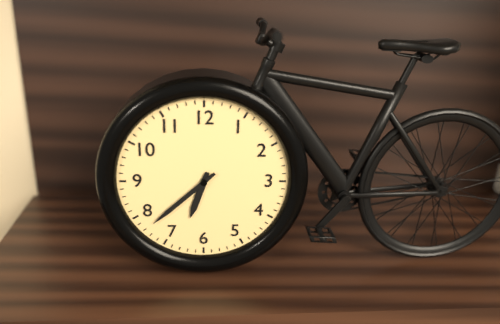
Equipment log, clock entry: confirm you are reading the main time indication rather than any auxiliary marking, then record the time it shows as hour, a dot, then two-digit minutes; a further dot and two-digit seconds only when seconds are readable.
6.38
